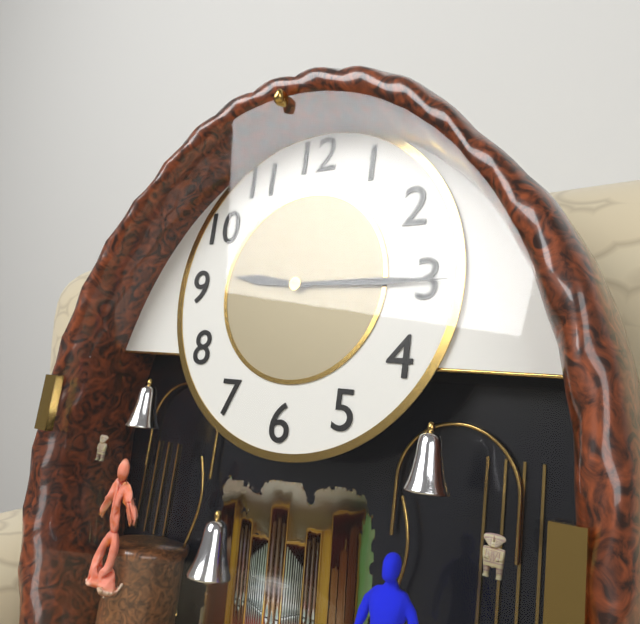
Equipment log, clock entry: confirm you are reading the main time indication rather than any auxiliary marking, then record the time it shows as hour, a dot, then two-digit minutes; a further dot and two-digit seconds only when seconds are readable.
9.15
